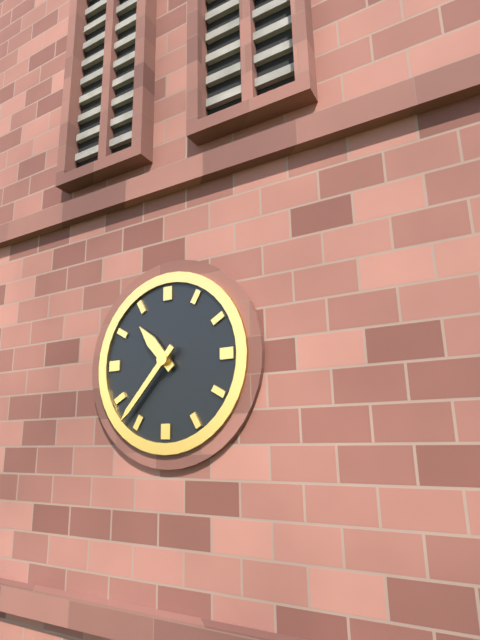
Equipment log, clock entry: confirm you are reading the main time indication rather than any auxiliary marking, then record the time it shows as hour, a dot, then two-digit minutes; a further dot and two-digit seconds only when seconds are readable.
10.37
